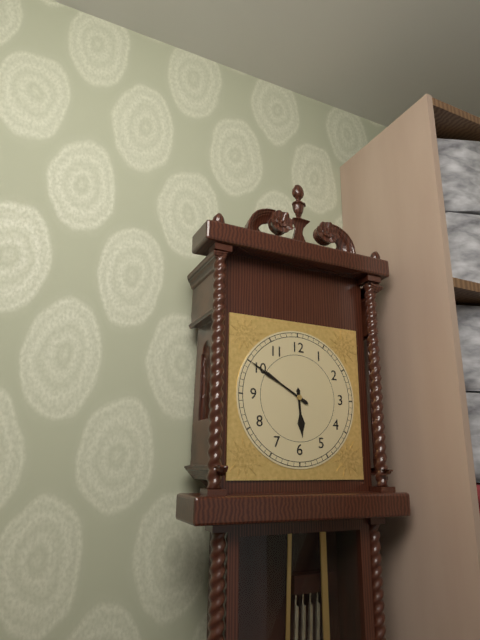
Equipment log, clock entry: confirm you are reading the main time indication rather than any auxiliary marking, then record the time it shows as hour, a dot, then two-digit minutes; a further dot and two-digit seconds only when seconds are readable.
5.50
